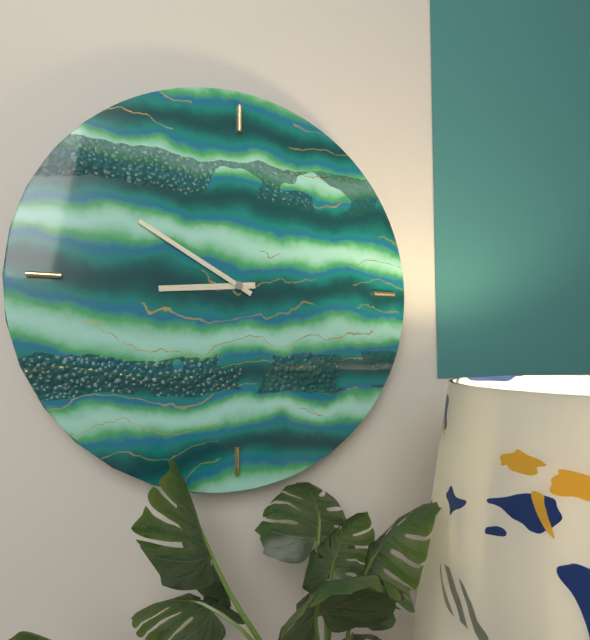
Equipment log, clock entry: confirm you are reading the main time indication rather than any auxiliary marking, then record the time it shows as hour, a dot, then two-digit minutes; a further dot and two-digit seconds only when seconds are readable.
8.50
